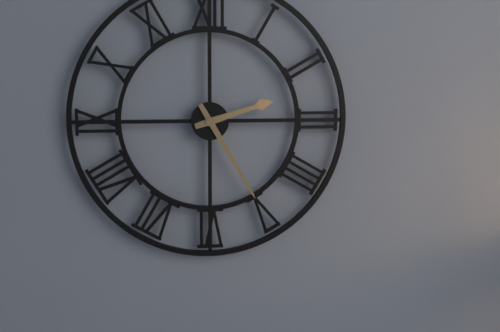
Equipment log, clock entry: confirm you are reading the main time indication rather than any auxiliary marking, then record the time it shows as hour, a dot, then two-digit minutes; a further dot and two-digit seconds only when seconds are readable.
2.25
